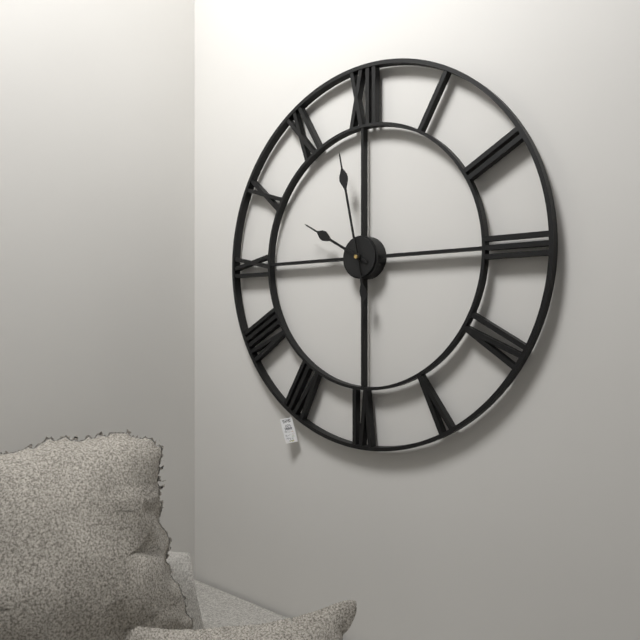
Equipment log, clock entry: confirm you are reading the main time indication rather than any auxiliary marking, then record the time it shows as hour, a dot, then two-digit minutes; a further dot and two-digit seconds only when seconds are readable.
9.58
